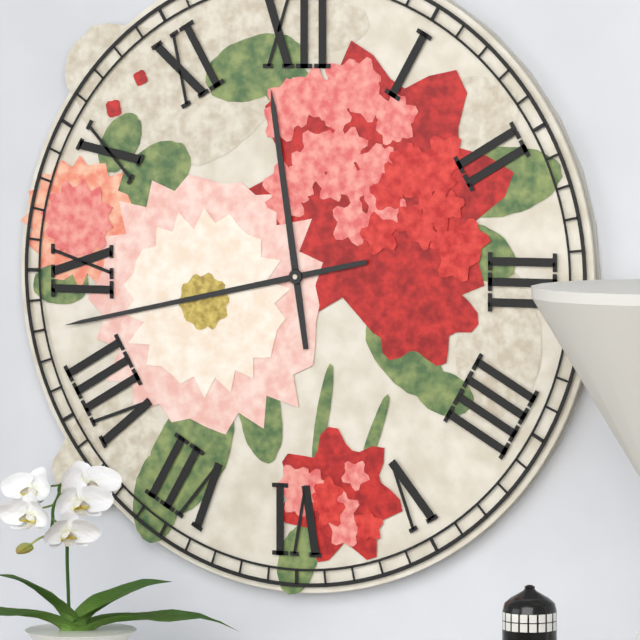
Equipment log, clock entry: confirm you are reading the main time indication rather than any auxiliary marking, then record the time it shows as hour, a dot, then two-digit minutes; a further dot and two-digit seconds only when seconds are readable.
11.43
